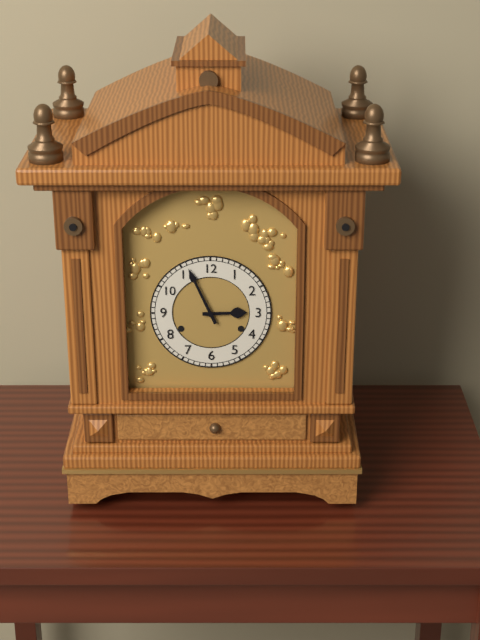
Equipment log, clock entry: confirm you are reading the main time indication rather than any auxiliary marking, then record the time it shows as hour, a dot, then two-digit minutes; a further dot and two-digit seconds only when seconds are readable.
2.56
